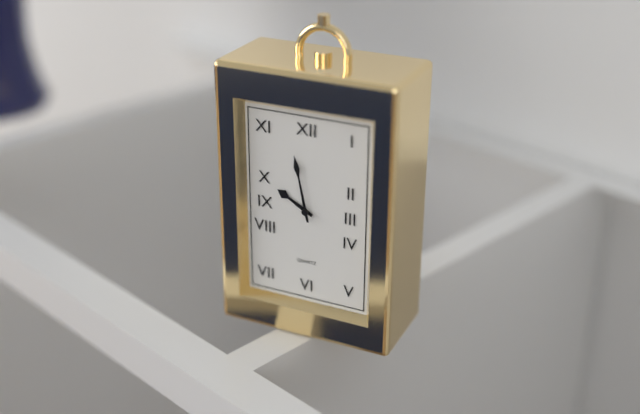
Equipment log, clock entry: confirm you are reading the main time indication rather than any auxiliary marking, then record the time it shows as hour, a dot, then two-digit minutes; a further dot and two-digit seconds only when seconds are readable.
9.58
